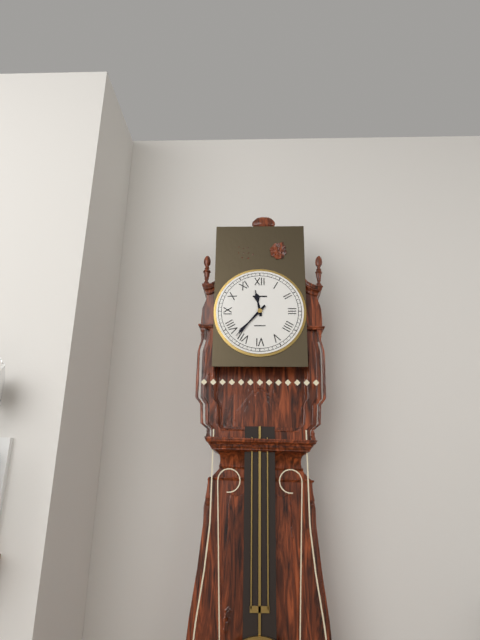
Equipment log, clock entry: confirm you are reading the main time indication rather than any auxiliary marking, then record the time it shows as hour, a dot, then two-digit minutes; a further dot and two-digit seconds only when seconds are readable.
11.37
